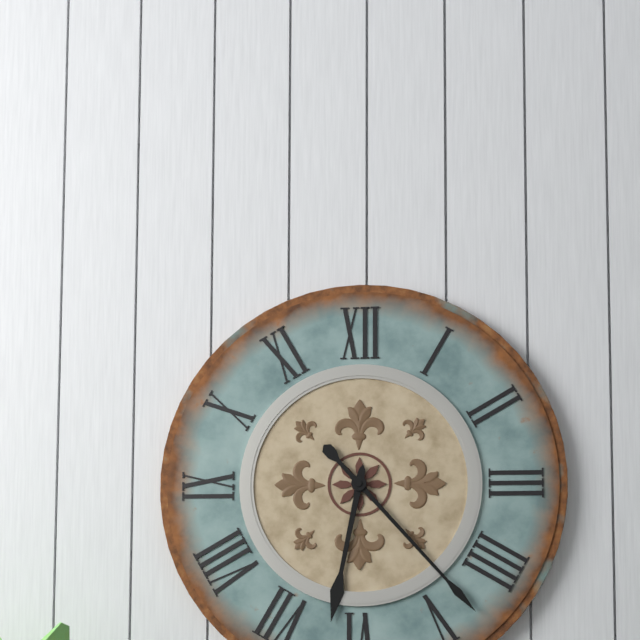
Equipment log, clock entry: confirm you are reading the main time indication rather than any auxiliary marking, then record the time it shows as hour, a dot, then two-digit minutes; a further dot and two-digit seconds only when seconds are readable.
6.23
